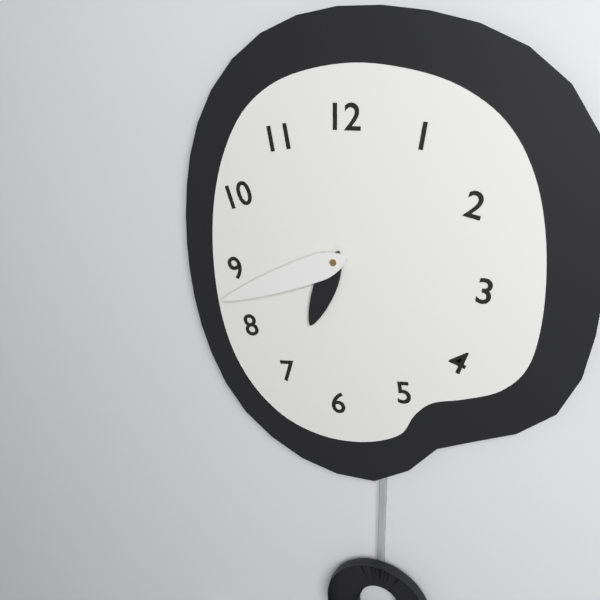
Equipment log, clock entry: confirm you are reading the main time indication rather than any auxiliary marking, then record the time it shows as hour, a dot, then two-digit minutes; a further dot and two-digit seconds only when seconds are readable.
6.41
